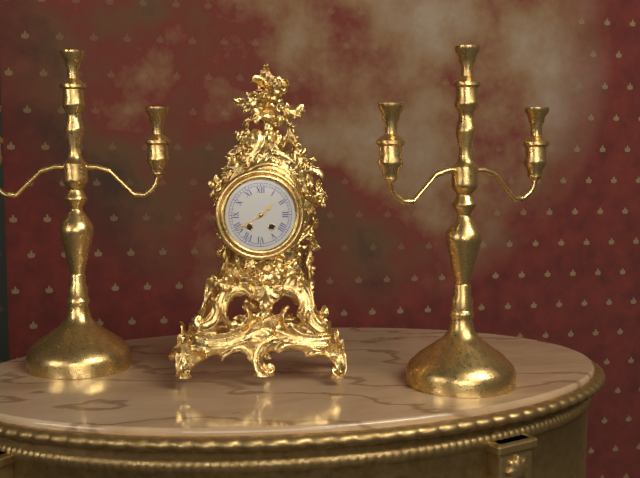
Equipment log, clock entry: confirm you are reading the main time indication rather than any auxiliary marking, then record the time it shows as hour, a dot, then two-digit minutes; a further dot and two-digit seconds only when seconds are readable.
1.40
